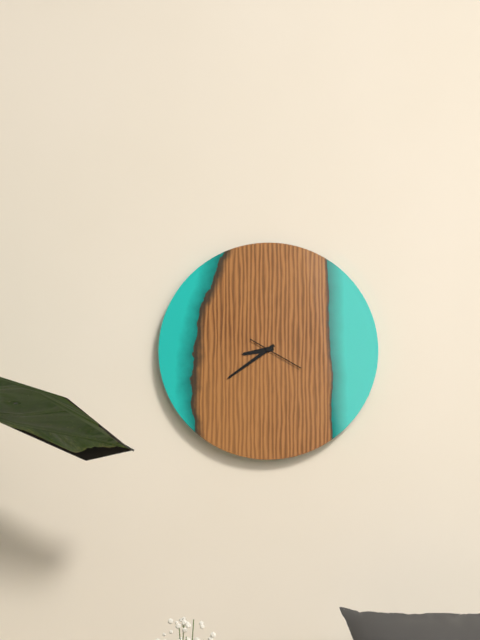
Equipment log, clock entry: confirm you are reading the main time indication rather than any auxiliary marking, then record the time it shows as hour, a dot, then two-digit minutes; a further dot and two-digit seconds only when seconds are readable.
8.39
